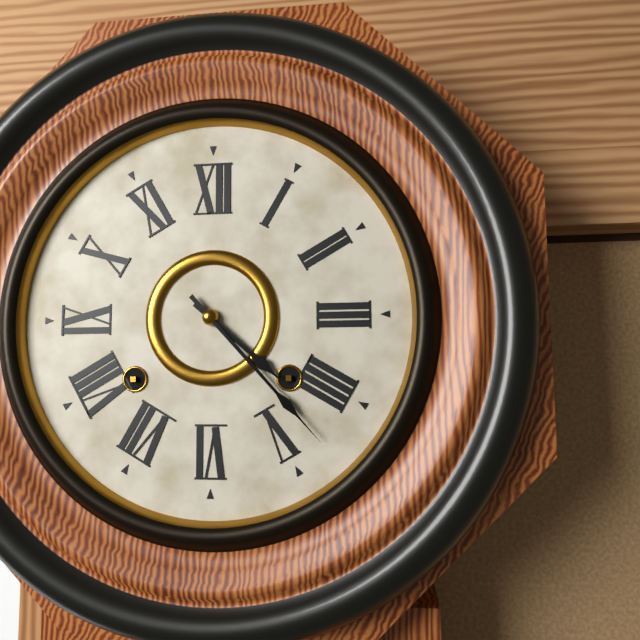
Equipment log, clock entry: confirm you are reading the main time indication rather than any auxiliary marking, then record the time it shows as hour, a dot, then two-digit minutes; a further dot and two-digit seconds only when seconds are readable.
4.23
